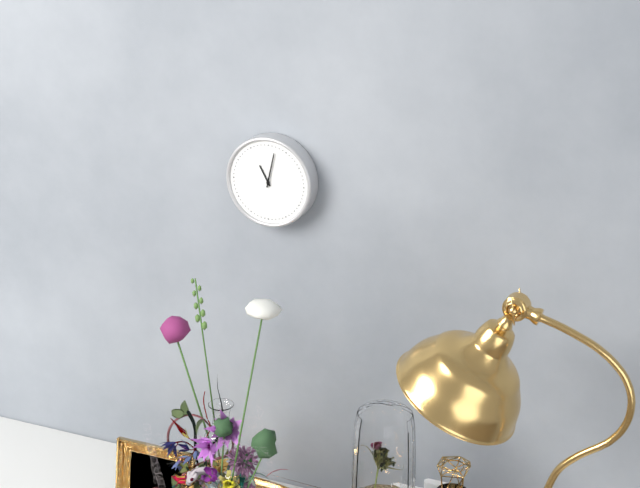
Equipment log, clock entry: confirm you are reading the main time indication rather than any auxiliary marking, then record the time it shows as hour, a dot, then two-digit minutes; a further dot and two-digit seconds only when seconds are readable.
11.02
